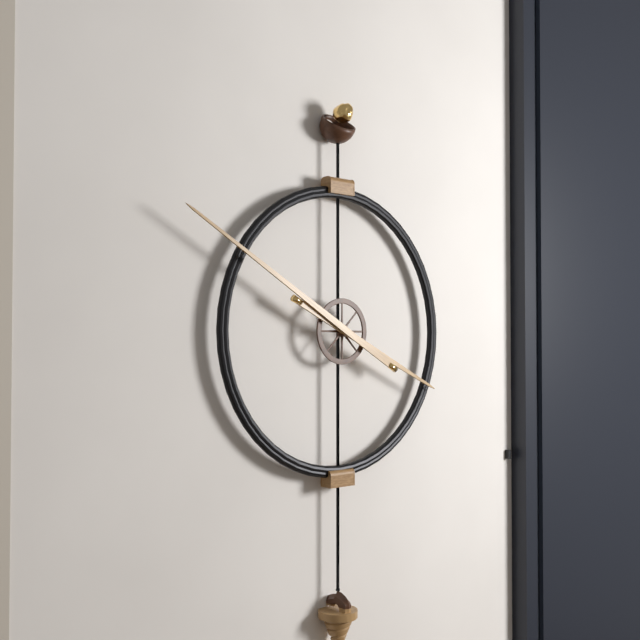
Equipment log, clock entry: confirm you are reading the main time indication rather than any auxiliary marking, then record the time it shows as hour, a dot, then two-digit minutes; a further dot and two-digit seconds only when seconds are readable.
3.50
